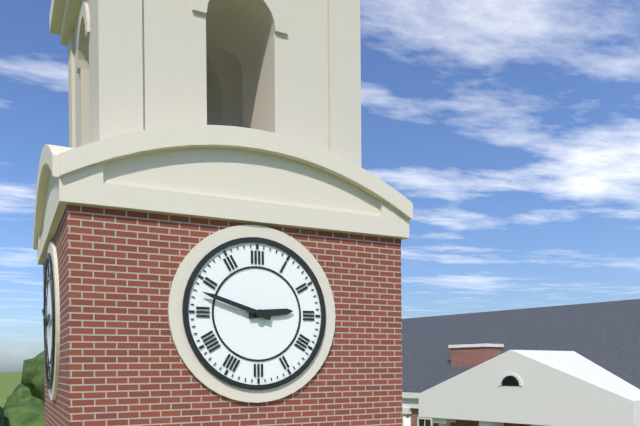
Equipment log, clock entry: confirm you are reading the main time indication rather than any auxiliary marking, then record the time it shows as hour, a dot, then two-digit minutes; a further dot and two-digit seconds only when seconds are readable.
2.48
